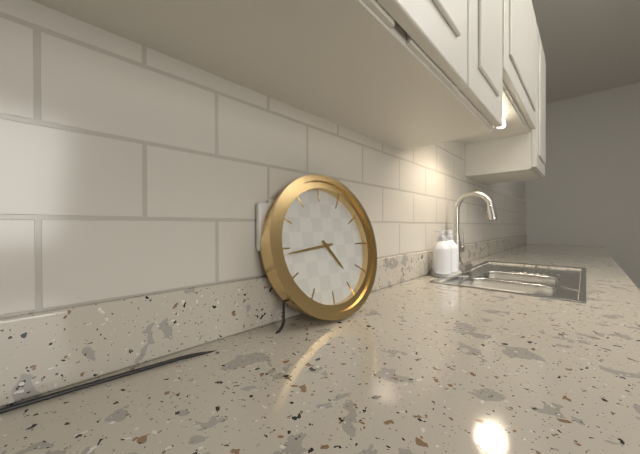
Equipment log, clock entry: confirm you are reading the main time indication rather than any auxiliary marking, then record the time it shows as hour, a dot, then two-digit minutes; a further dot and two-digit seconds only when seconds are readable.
4.44
